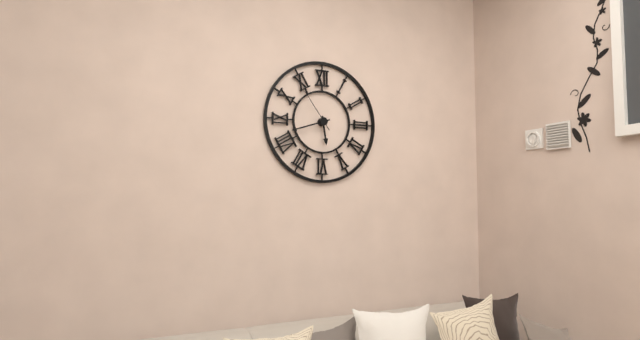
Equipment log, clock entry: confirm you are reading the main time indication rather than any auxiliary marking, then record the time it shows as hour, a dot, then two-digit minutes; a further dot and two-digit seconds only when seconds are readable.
5.42
